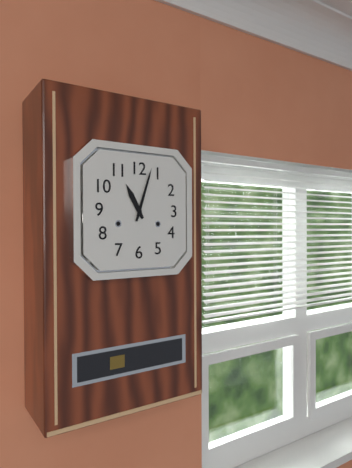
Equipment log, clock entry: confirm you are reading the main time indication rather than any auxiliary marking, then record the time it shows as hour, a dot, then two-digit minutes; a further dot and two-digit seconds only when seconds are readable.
11.03
